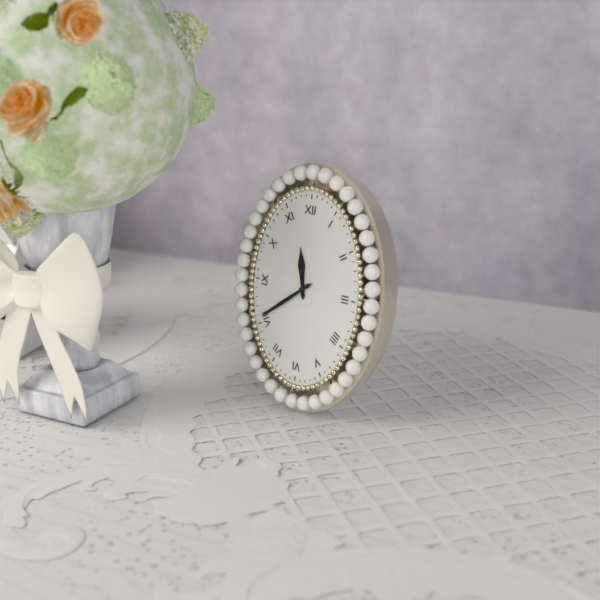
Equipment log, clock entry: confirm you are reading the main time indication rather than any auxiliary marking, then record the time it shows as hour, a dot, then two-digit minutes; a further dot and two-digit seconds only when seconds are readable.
11.39
